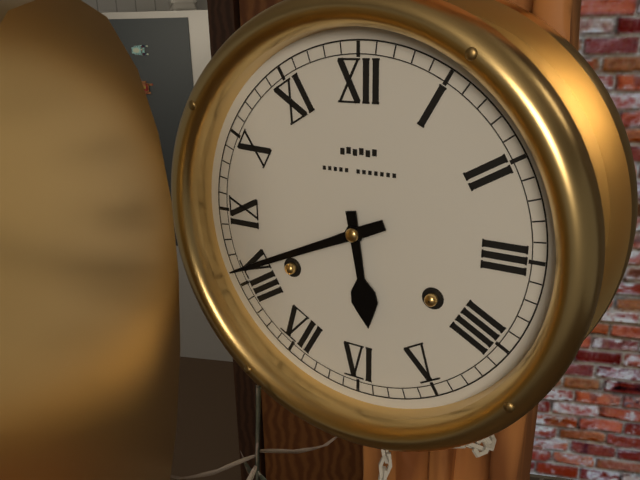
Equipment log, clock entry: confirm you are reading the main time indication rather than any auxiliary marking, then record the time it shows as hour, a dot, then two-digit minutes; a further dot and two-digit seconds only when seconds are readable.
5.41
